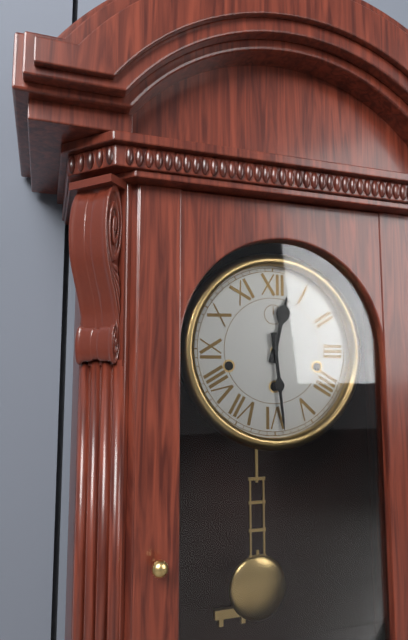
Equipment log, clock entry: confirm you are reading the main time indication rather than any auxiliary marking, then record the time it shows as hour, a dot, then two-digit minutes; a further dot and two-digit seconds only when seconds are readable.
12.29
